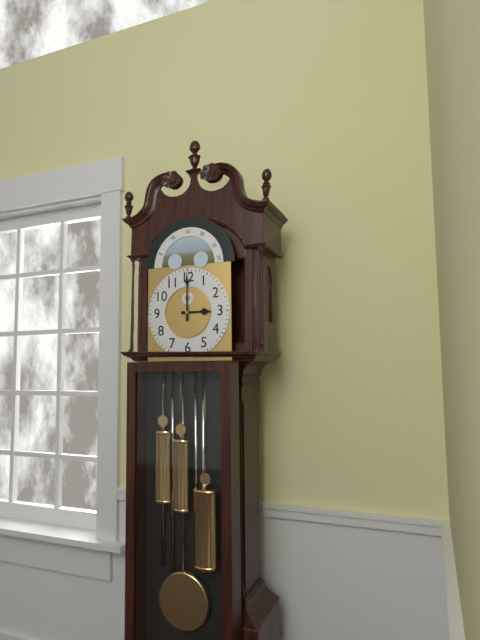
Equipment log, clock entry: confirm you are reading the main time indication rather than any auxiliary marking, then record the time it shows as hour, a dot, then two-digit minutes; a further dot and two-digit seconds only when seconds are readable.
3.00
